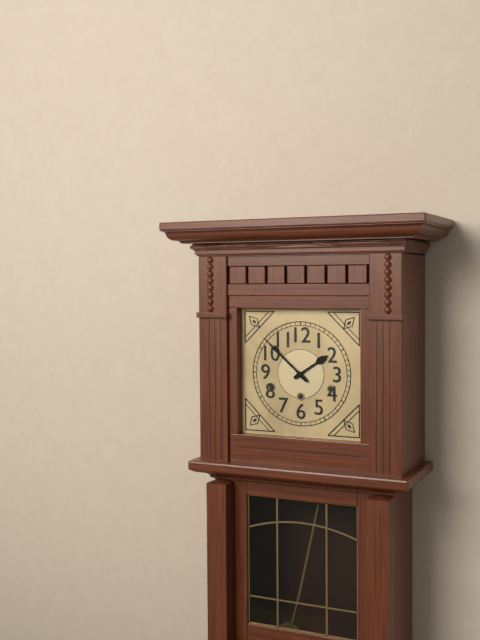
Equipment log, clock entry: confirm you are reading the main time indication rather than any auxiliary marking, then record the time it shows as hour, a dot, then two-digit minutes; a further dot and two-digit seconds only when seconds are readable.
1.52
